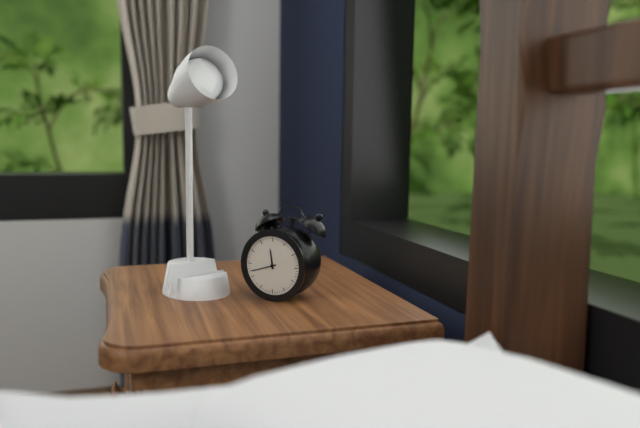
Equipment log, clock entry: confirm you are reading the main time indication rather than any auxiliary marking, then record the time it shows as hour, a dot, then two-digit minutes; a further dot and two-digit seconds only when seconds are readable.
11.42
